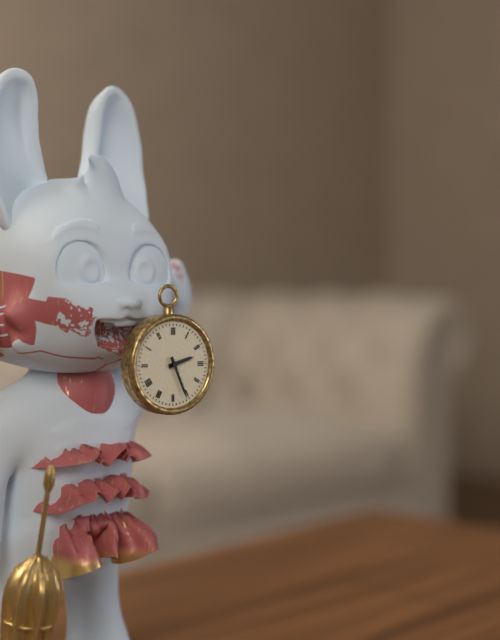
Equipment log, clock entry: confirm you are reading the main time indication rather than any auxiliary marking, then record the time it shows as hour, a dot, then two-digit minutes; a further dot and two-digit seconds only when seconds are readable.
2.26
